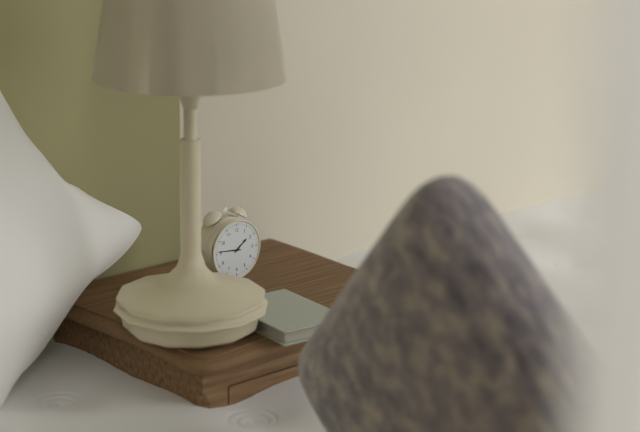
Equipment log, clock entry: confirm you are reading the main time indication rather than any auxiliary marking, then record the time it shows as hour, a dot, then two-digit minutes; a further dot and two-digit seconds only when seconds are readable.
1.46
